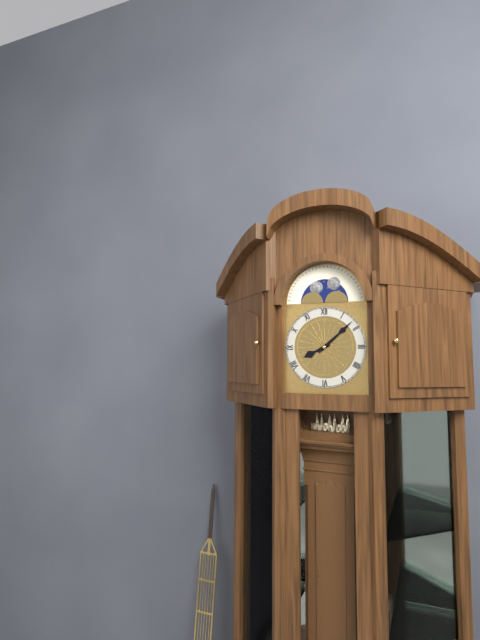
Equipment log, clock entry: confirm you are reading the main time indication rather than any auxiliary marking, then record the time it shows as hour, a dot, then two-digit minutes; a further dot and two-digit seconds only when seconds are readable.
8.08
